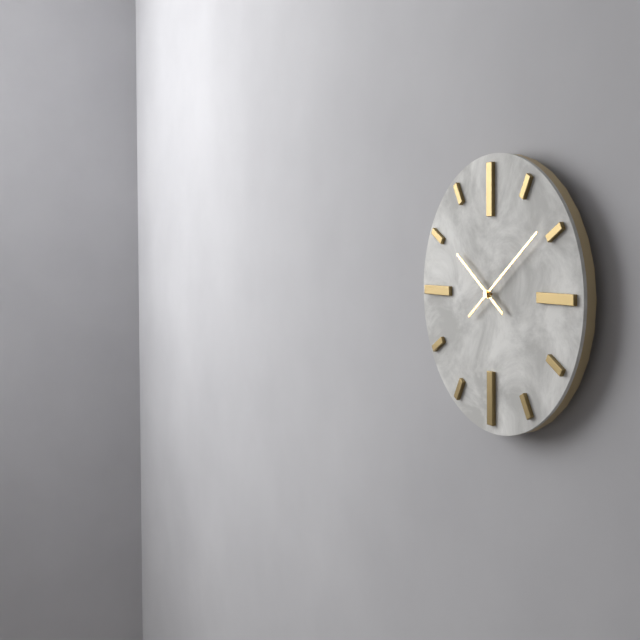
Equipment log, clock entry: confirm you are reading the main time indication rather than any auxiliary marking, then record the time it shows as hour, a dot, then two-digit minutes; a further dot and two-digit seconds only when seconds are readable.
10.09
